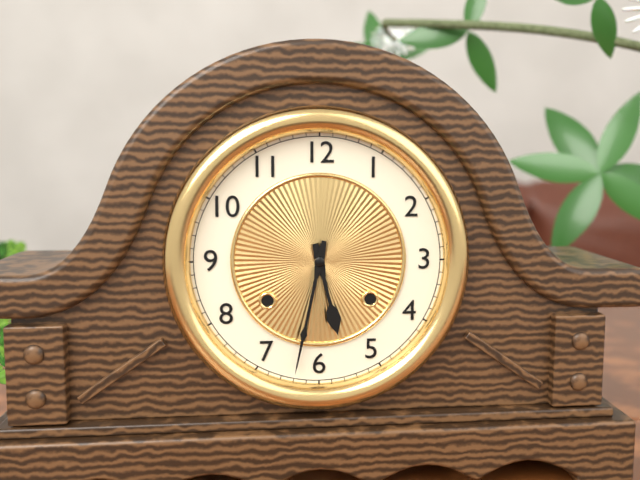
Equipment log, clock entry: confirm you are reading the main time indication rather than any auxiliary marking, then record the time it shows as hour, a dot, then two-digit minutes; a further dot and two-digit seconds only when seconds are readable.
5.32
